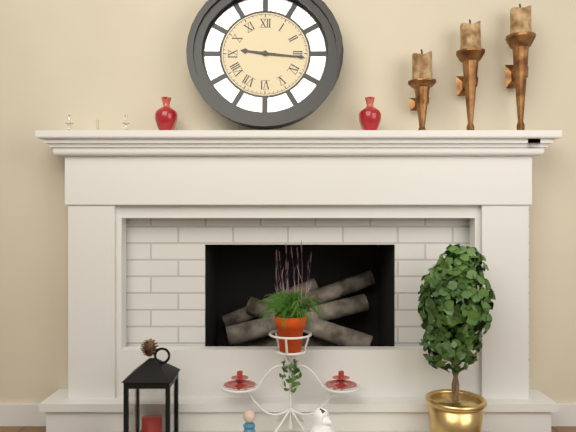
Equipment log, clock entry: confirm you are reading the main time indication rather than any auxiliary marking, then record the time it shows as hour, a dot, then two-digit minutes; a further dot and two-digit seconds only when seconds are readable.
9.16
